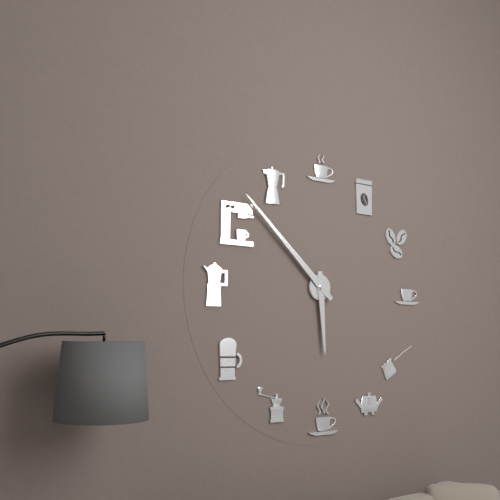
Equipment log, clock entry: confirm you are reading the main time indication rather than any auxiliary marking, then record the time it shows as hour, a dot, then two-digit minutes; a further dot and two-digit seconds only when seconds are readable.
5.52
